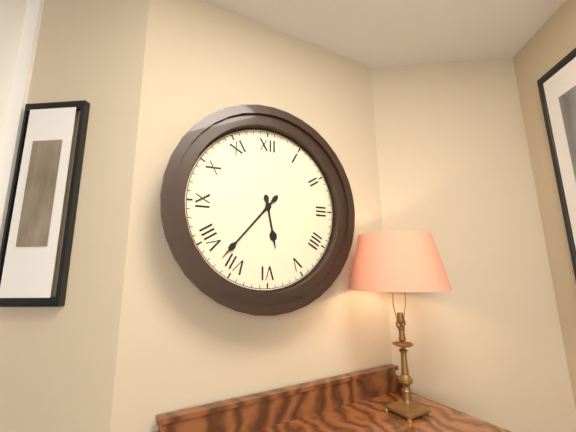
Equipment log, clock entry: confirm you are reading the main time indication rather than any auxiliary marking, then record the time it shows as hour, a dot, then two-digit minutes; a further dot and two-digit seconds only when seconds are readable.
5.37
